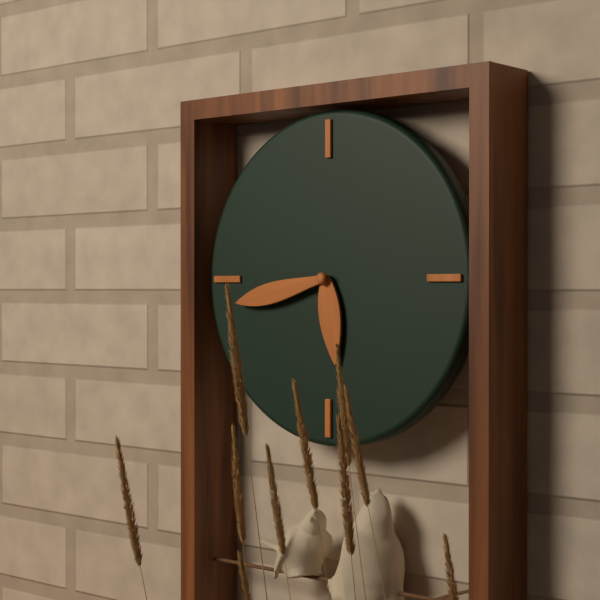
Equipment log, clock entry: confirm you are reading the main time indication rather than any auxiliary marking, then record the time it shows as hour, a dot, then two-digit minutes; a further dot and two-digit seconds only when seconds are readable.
5.43
